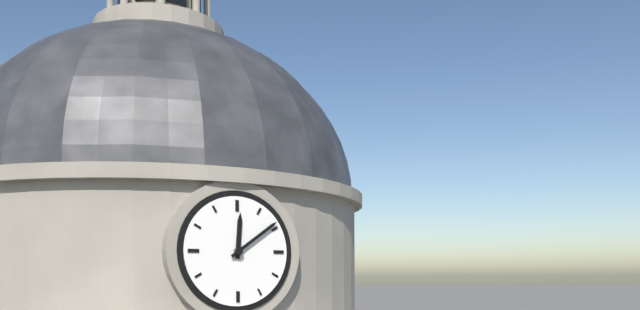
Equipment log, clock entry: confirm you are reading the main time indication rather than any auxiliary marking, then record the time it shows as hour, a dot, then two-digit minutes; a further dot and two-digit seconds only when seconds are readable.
12.09
